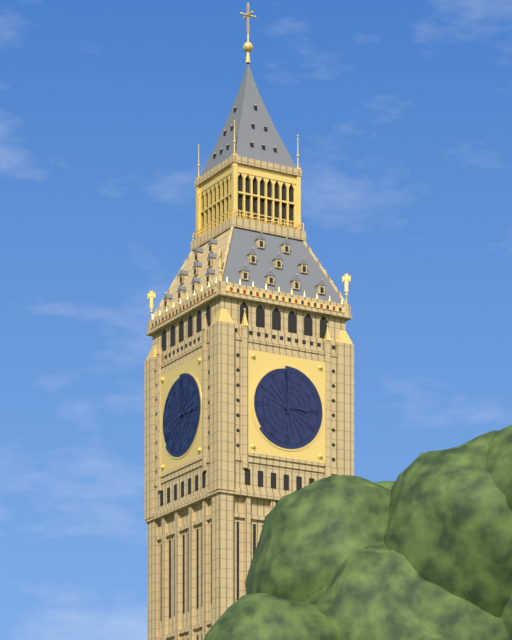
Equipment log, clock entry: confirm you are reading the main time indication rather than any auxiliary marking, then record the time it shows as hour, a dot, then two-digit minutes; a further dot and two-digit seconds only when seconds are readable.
3.00
